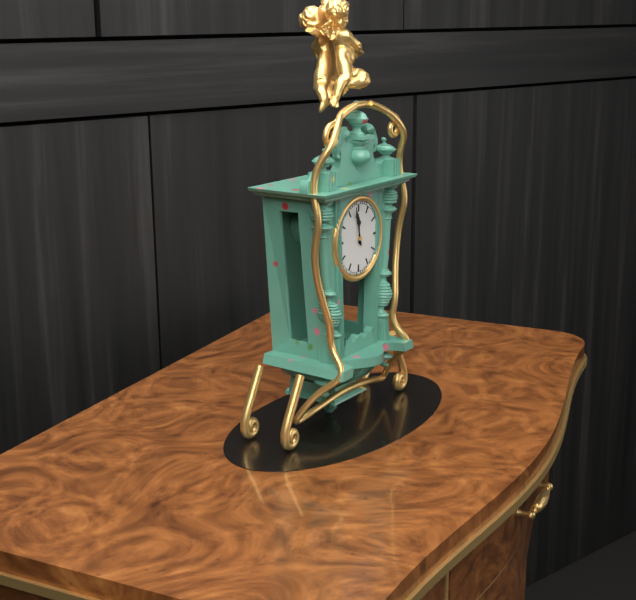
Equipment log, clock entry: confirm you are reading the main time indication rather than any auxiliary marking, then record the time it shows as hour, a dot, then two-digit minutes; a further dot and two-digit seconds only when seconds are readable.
11.58
